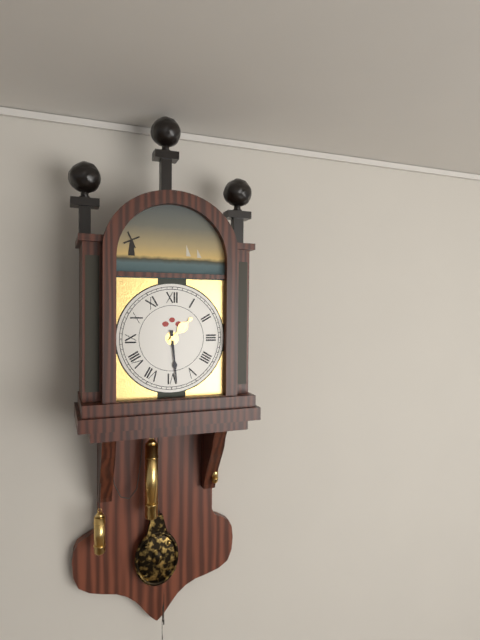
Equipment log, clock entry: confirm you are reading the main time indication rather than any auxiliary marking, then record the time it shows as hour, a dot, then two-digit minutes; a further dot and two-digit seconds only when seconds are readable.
1.29
